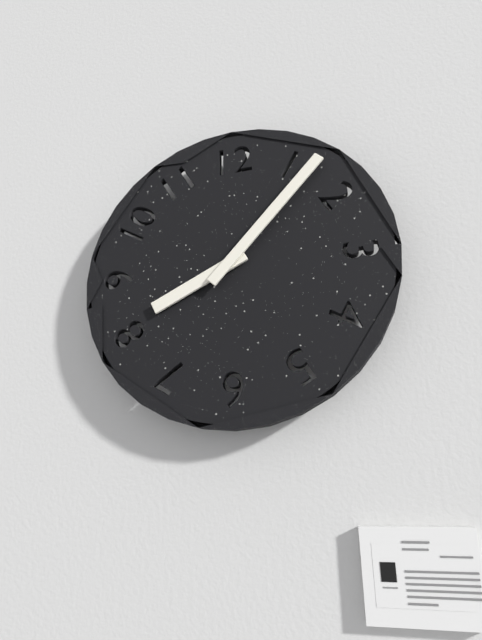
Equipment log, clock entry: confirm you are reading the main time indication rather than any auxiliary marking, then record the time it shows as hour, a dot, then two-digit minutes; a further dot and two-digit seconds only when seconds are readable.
8.07
